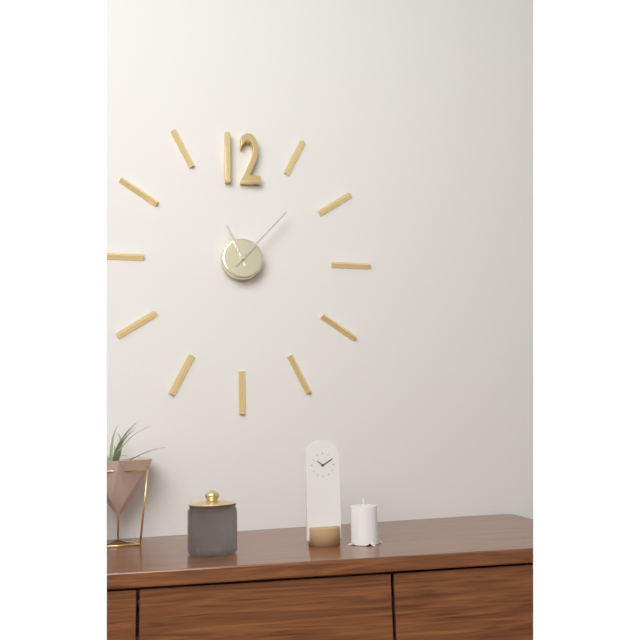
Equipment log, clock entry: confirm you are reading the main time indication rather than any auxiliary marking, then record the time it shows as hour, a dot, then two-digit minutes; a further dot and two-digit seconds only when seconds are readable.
11.07
